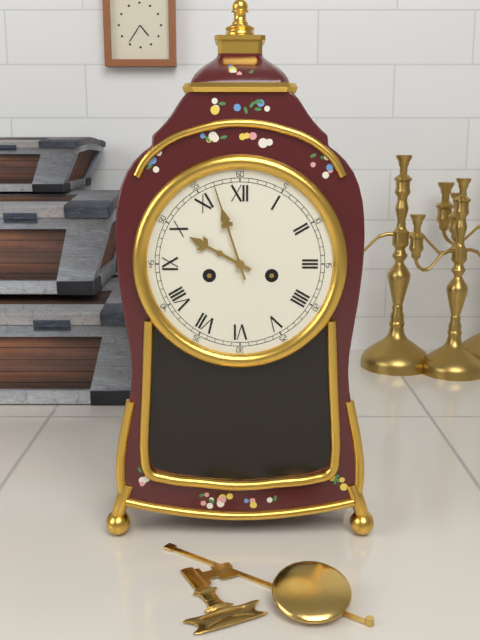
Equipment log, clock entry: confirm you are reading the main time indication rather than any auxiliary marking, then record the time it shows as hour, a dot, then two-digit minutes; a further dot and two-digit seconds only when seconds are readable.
9.57
